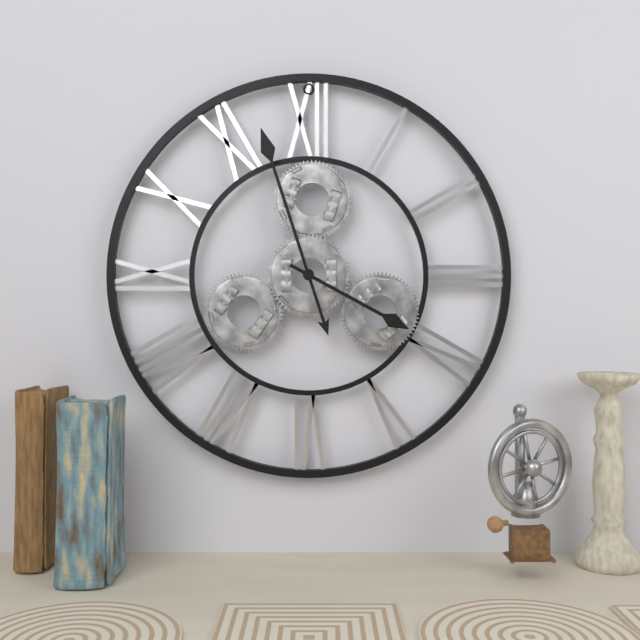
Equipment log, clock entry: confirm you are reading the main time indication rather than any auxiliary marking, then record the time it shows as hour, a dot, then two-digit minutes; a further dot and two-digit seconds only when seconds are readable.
3.57
